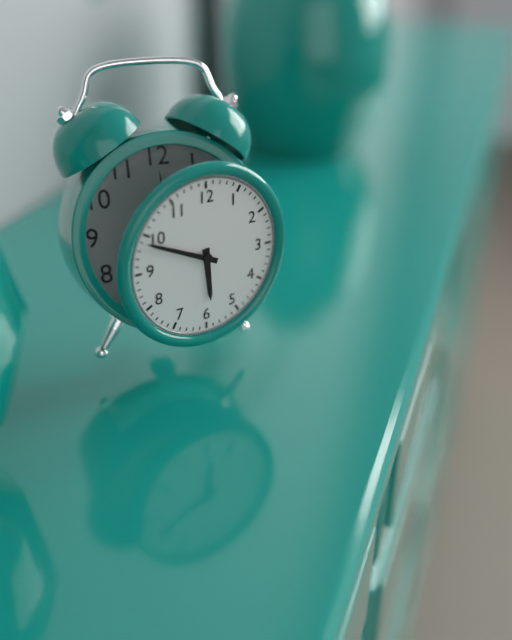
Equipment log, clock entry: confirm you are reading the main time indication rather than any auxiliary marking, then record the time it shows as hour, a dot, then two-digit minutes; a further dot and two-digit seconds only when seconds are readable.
5.49
